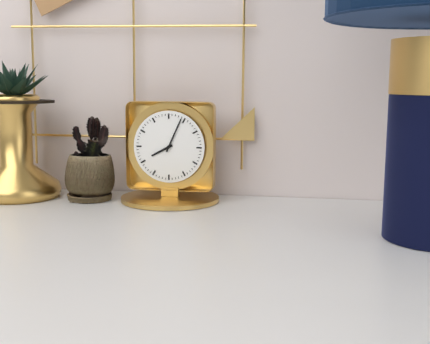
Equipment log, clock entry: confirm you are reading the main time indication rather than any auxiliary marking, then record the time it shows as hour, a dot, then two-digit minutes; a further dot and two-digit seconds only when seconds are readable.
8.04
